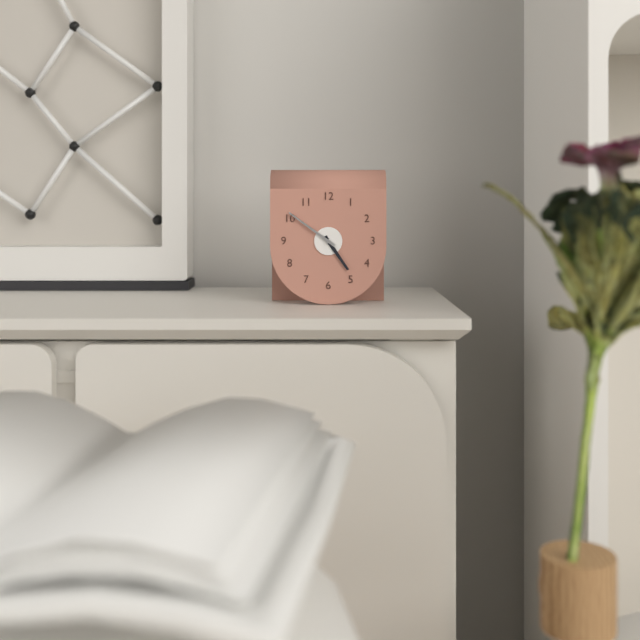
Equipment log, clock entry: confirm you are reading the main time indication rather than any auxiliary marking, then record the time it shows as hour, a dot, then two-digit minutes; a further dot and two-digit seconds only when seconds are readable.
4.51
